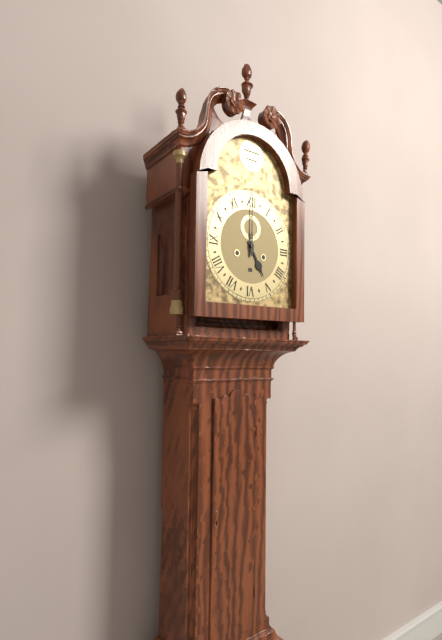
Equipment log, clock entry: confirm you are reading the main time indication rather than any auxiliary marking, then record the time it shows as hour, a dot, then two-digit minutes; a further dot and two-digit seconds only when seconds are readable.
5.00
